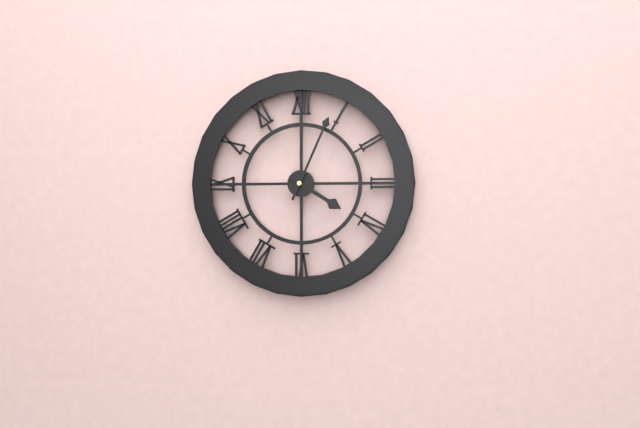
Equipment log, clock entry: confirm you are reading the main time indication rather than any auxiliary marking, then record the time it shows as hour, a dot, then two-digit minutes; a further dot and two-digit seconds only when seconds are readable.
4.04
